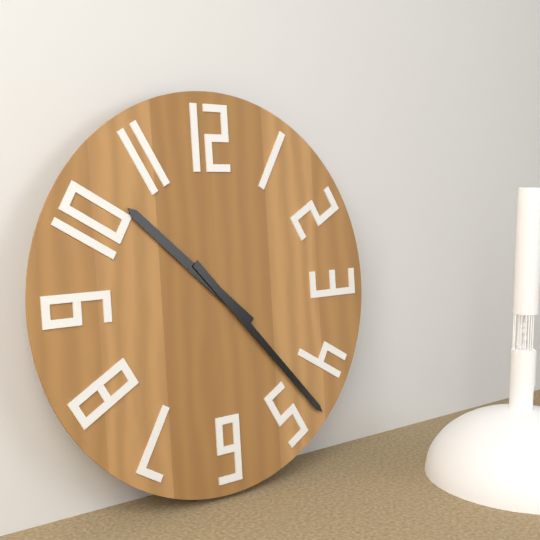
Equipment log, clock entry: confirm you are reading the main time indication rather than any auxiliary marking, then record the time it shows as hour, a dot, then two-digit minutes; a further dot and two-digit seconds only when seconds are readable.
10.23
